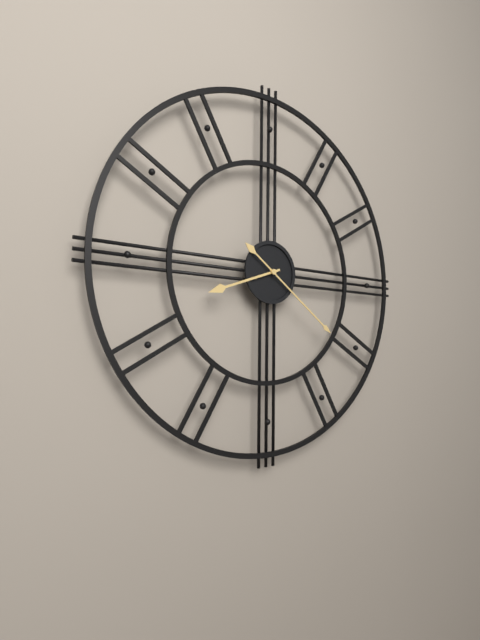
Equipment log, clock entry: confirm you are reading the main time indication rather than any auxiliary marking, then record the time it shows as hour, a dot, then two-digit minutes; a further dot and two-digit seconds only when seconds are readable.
8.21
